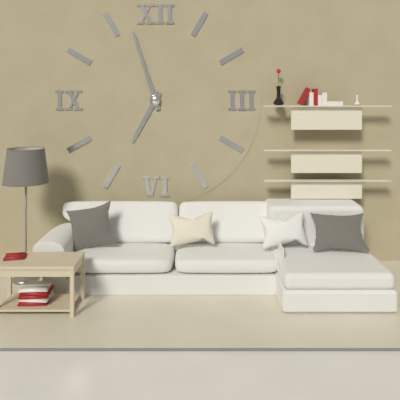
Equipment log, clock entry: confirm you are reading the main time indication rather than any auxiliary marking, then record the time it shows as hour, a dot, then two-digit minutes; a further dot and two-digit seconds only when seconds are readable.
6.57
